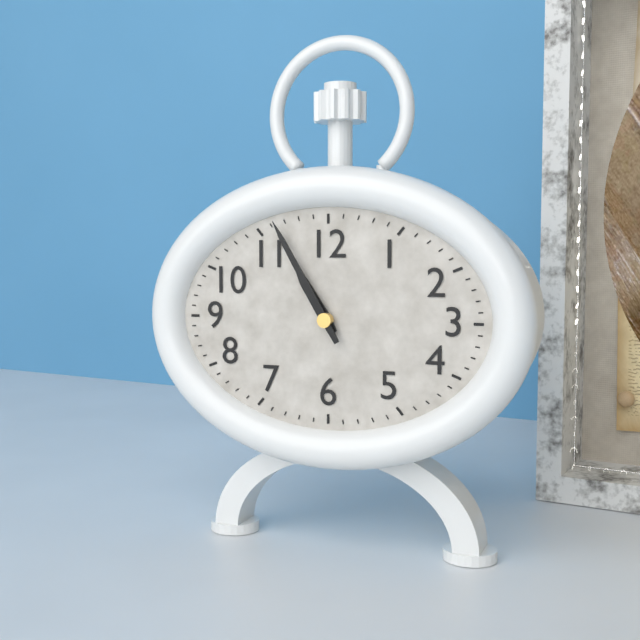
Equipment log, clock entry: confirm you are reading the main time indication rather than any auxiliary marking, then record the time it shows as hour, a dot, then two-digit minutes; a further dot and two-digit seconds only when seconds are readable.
10.55
